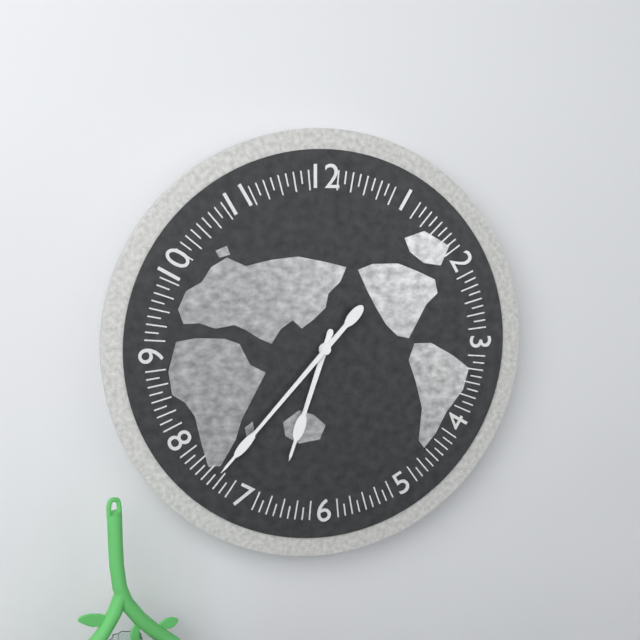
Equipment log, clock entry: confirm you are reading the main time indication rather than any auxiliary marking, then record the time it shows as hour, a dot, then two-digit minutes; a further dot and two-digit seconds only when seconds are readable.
6.37
